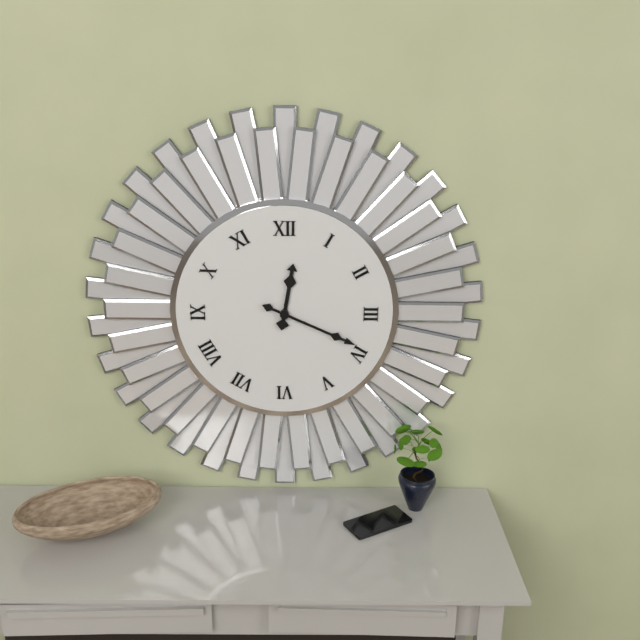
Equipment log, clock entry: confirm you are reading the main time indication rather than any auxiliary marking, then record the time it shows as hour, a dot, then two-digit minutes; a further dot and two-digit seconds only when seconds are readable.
12.19
